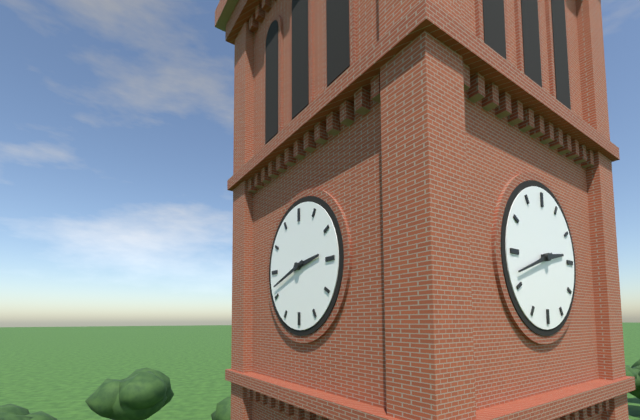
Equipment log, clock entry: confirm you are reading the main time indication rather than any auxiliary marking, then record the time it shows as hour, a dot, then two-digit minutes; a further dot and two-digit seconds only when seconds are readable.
2.42
